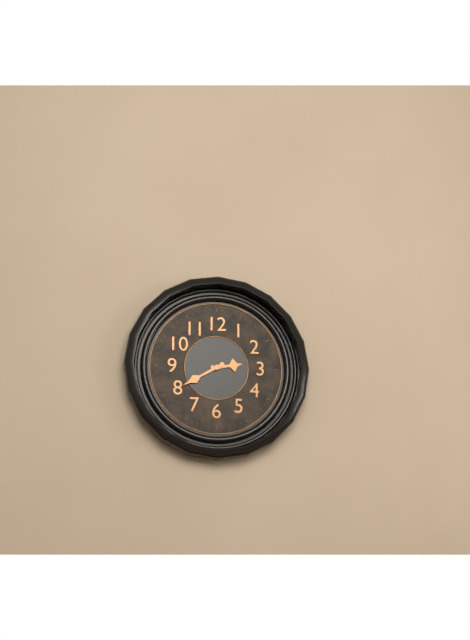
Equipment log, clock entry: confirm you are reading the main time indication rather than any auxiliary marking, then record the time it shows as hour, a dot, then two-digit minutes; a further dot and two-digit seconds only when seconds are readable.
2.40
